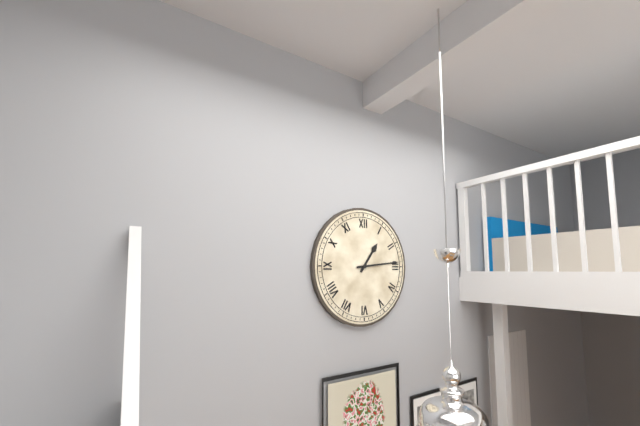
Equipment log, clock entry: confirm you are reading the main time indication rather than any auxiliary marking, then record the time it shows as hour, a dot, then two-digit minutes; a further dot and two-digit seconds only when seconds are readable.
1.14
